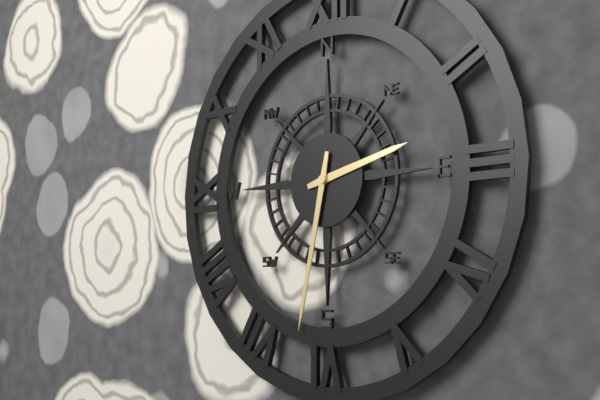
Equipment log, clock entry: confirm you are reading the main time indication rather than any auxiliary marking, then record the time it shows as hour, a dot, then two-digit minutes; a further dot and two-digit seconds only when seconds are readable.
2.32
